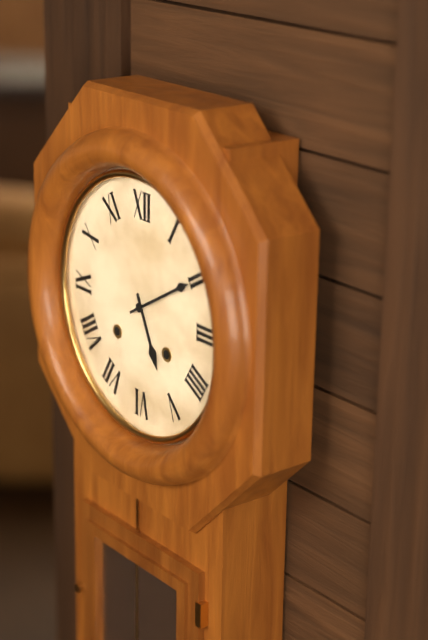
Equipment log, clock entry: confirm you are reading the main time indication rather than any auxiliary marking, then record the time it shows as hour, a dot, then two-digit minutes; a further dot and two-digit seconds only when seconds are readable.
5.10
